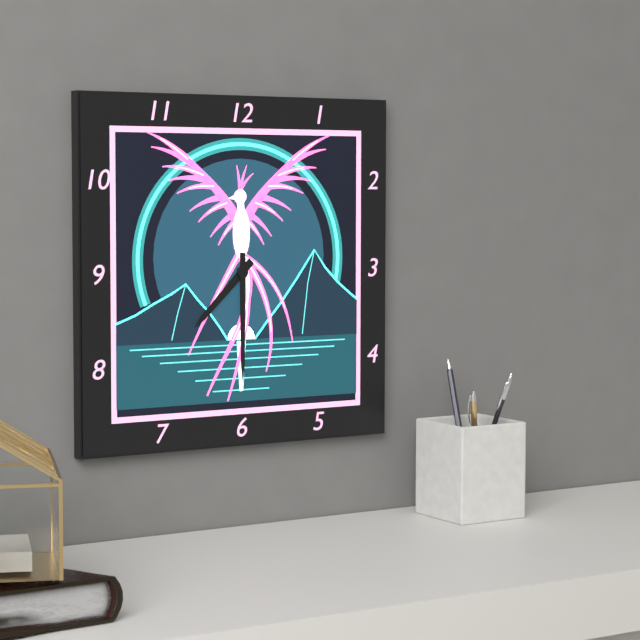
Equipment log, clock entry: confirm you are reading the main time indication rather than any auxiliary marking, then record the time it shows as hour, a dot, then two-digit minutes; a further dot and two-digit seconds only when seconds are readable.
7.30
